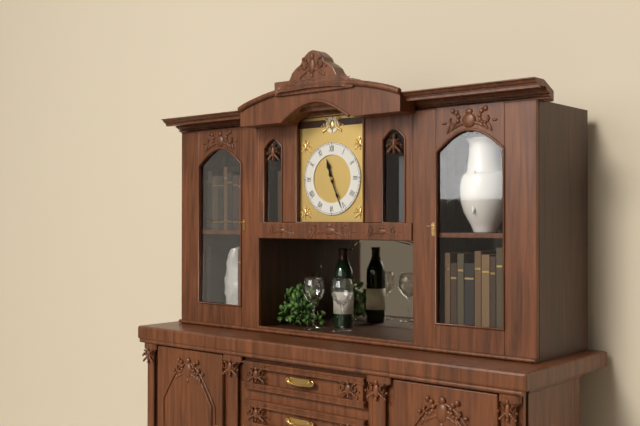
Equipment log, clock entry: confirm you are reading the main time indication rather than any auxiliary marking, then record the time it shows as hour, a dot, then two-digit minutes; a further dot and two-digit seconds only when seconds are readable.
11.26
